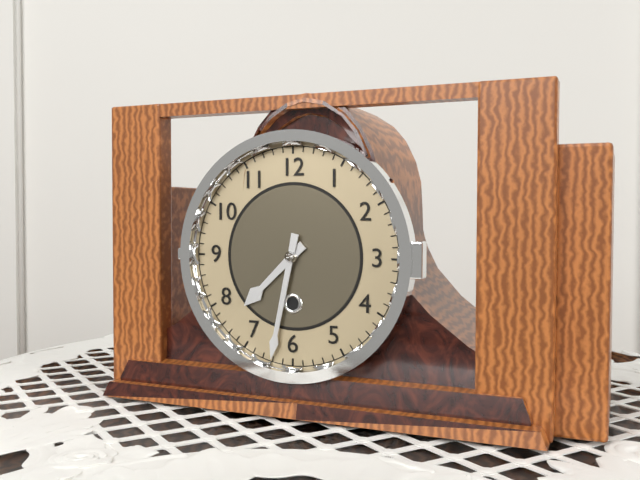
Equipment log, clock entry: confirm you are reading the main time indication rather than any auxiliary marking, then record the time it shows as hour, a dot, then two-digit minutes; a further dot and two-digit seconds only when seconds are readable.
7.32
